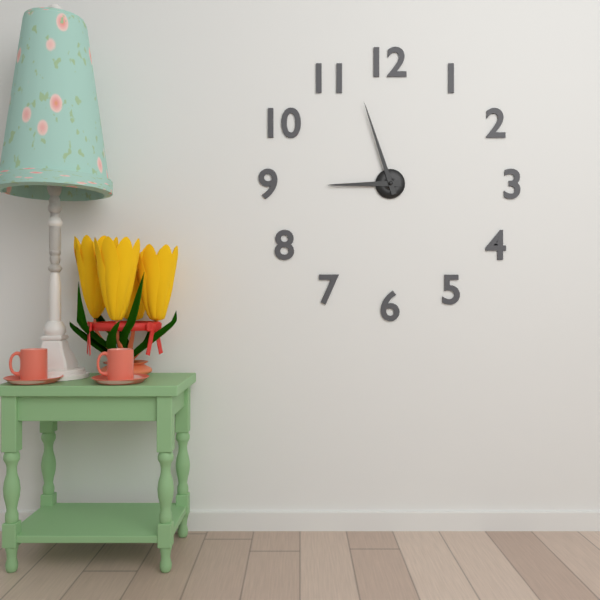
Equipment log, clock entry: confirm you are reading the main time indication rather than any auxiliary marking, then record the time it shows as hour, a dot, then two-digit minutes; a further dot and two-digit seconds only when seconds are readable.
8.57
